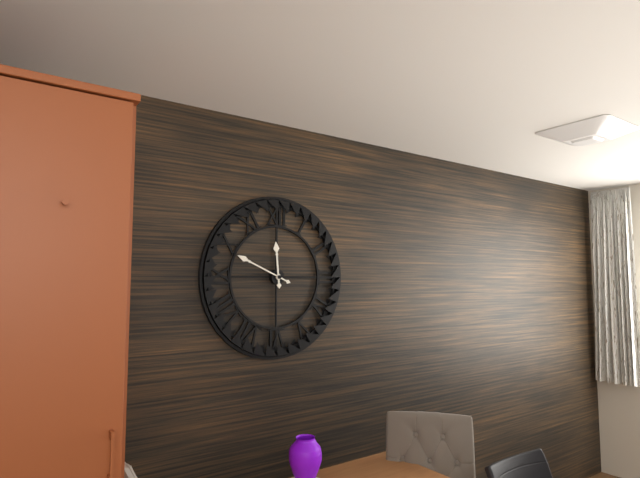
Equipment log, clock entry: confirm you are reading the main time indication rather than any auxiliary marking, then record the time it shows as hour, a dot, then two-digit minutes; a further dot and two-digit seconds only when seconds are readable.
11.49
